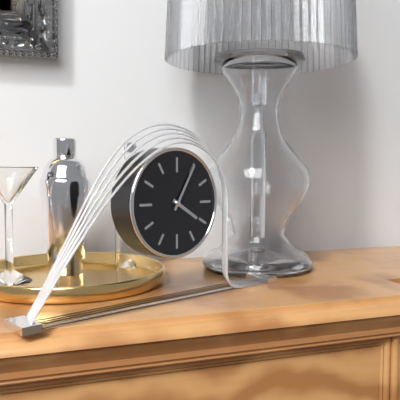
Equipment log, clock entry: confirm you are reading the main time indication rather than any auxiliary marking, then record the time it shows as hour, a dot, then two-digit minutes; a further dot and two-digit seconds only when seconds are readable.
4.05
